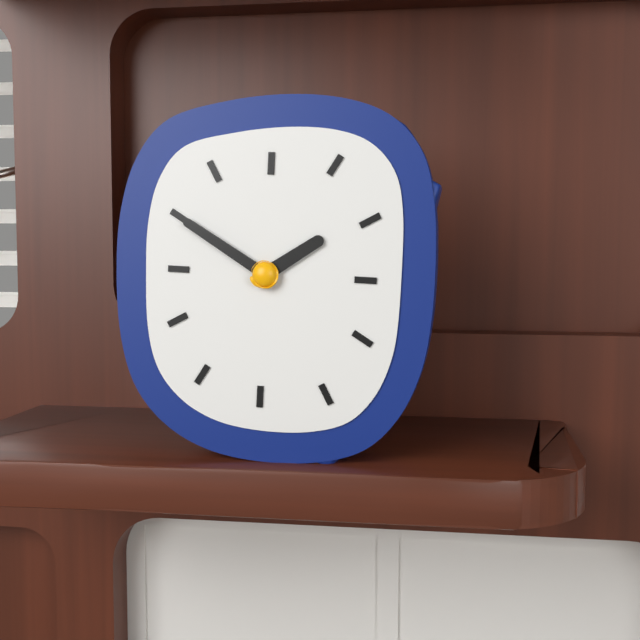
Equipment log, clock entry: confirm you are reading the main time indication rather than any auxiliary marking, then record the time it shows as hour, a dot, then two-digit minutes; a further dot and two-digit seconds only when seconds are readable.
1.50
